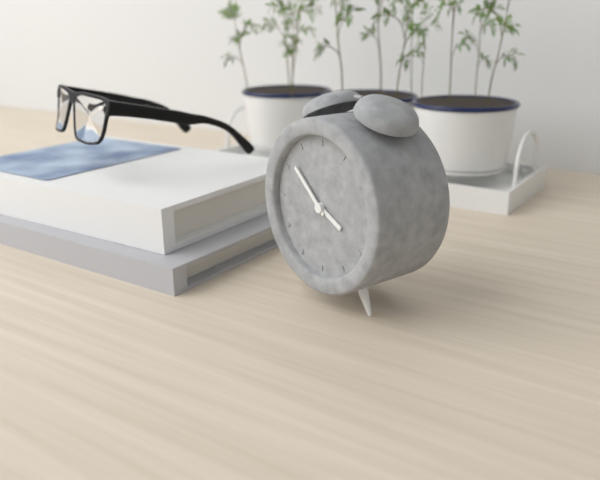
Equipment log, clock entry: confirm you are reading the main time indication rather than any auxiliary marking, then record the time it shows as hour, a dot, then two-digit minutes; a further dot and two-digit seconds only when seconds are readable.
3.52
